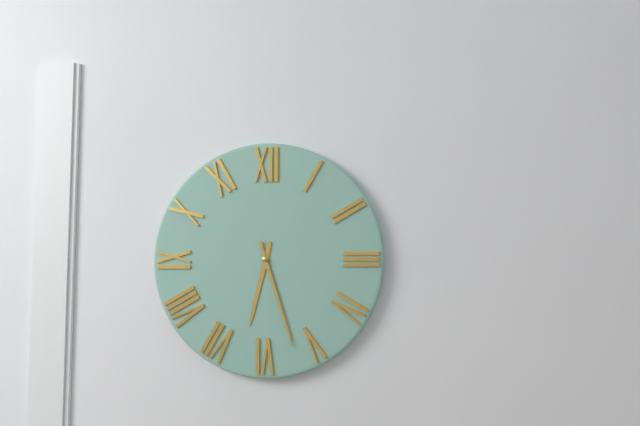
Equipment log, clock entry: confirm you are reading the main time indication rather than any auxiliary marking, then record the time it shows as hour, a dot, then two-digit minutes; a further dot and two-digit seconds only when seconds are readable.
6.27
